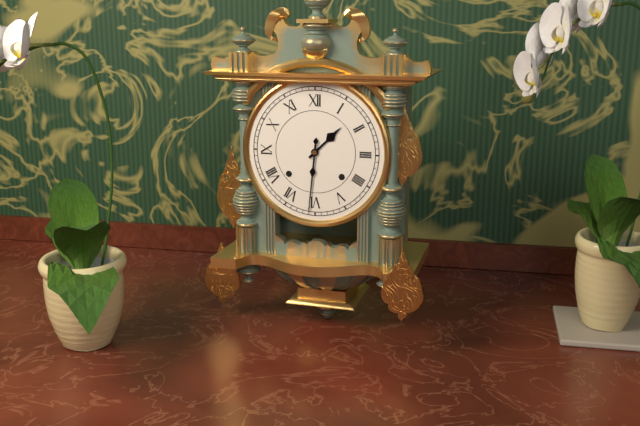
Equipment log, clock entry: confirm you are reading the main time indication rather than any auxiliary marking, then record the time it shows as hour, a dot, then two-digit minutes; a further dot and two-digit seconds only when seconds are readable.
1.31
